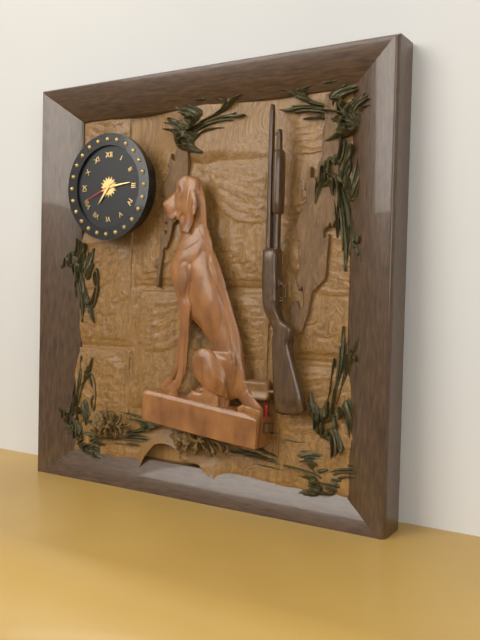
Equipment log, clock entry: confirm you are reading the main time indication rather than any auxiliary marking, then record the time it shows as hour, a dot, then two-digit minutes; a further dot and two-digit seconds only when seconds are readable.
7.14
